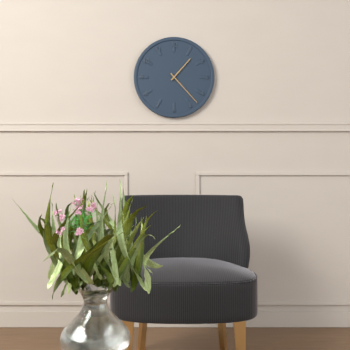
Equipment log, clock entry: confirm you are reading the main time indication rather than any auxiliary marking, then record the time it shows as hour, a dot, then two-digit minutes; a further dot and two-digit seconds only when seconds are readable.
1.23
